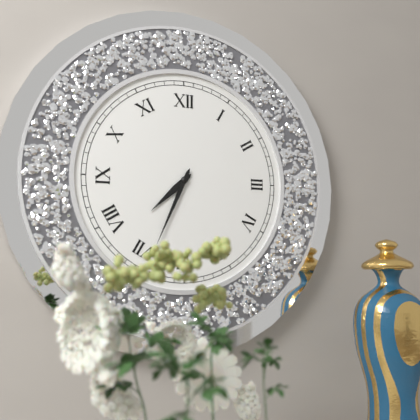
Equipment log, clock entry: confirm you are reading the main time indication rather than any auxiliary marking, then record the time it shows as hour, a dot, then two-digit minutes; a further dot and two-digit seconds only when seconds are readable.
7.34
